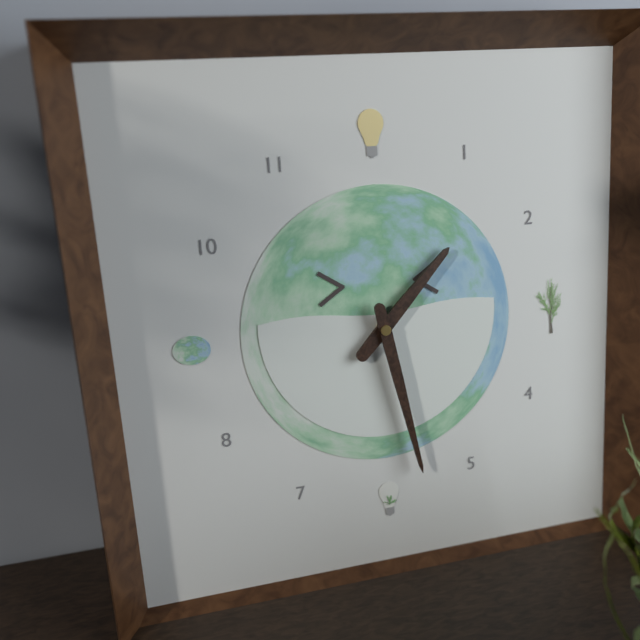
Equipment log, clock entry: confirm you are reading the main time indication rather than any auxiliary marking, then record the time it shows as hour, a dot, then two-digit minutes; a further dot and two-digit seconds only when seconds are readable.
1.28
